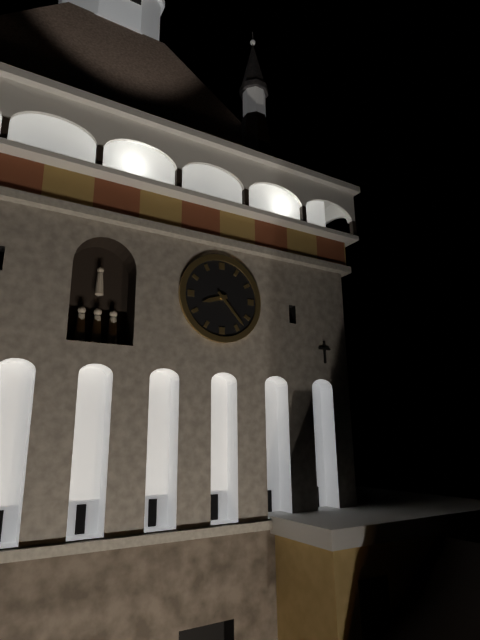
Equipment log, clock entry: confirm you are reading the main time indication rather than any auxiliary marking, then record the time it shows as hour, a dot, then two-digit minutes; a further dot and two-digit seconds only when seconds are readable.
8.23
